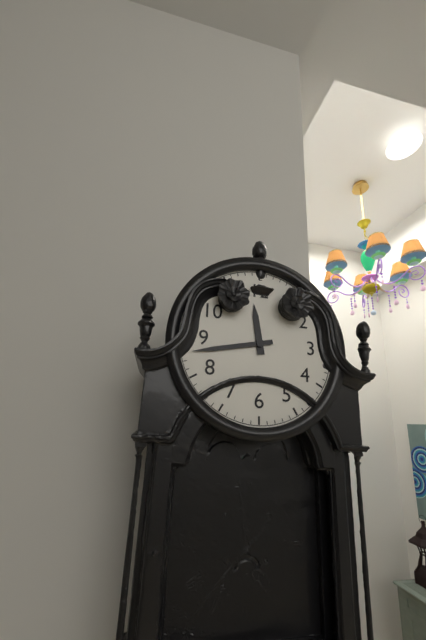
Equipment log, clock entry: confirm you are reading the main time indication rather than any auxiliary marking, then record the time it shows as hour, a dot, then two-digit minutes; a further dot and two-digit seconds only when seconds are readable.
11.43
